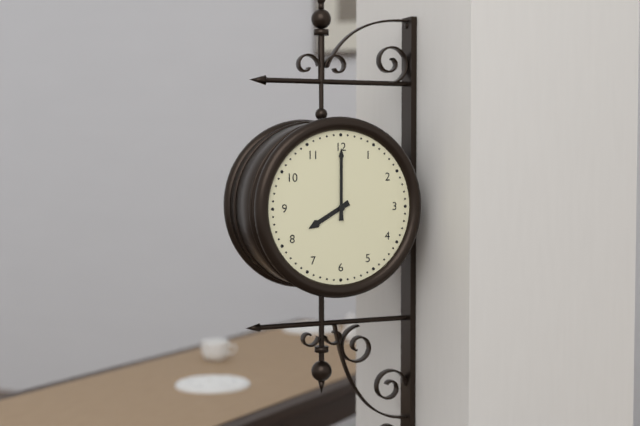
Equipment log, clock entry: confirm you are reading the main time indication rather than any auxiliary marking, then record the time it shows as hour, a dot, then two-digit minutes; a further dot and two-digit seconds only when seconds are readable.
8.00
